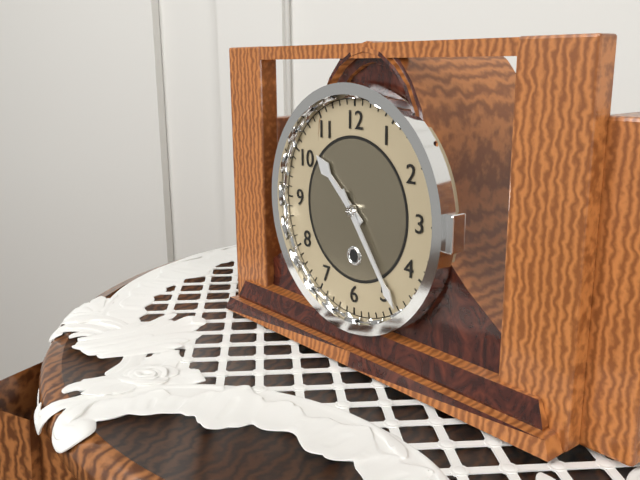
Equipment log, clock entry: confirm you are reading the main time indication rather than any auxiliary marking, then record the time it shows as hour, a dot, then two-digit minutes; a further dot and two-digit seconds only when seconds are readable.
10.24
